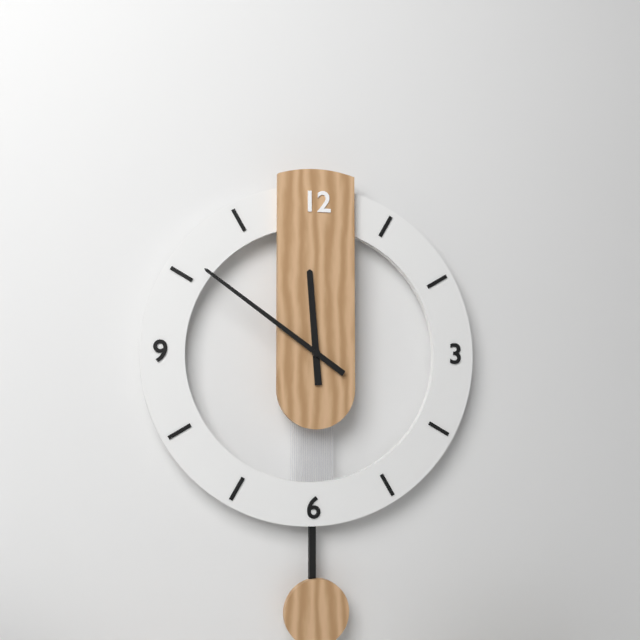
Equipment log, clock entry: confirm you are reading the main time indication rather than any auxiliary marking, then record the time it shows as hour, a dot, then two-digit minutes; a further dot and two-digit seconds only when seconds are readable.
11.51
